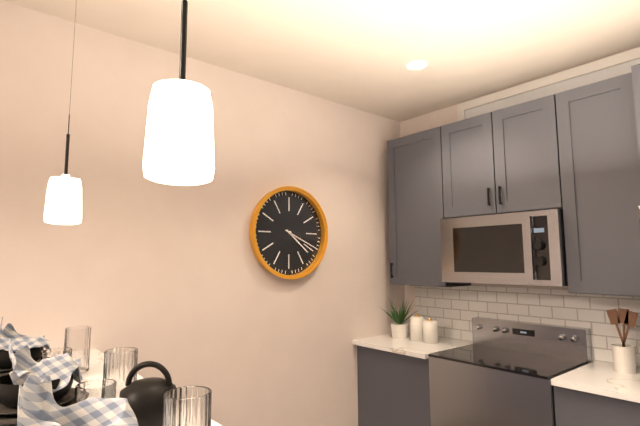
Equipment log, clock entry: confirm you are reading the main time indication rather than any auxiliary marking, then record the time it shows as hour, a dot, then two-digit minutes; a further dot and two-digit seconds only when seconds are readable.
4.19
